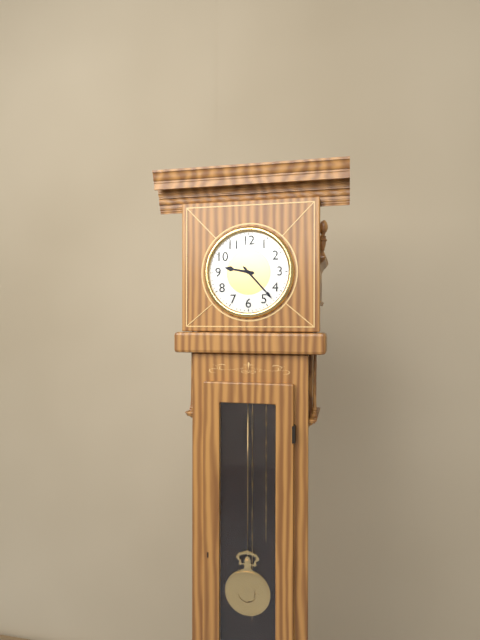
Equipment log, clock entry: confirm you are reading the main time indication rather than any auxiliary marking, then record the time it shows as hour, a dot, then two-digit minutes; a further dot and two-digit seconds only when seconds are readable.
9.23
